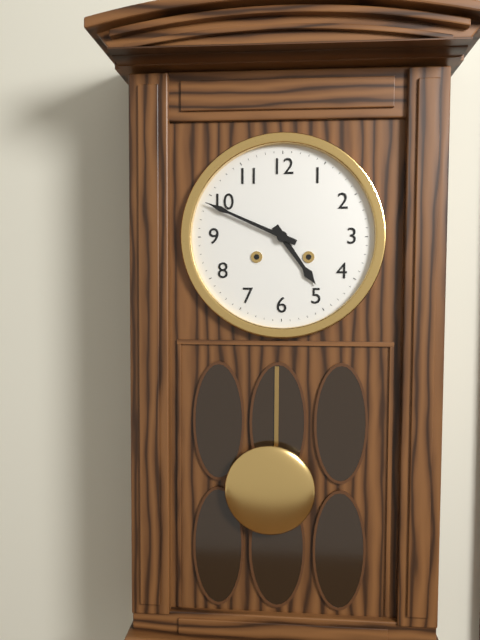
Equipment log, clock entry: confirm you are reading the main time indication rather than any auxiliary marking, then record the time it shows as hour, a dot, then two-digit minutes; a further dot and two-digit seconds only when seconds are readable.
4.49
